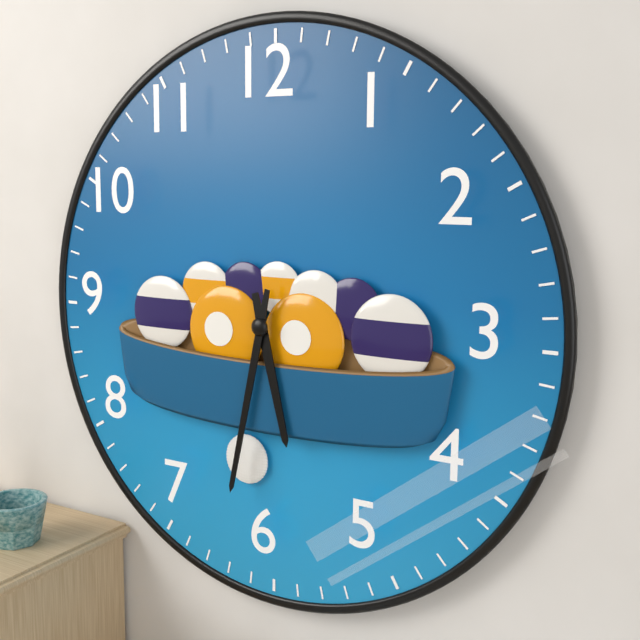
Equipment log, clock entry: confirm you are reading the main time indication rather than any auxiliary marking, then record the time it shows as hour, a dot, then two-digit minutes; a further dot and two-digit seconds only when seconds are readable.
5.32
